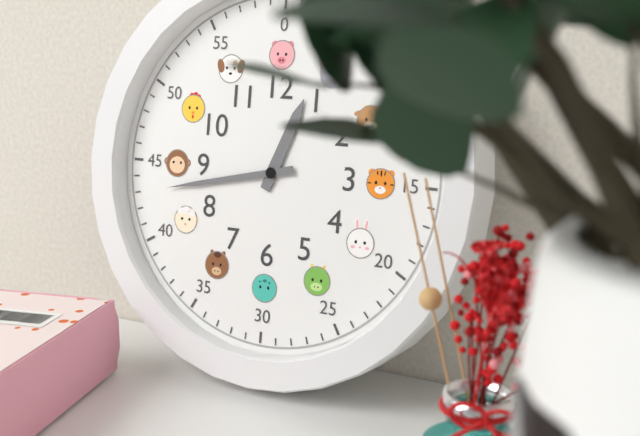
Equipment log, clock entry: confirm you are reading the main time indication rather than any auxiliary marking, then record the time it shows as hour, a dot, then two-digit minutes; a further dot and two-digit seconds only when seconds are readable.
12.43
